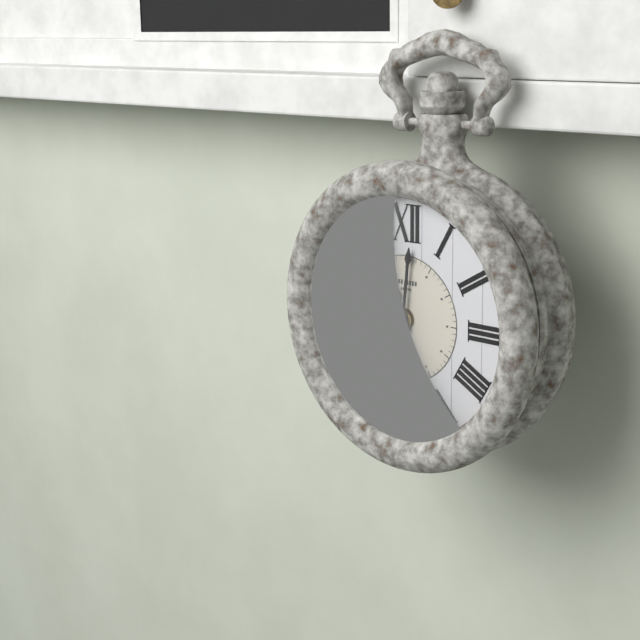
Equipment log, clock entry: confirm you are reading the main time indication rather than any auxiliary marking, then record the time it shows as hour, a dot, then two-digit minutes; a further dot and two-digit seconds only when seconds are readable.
11.01
